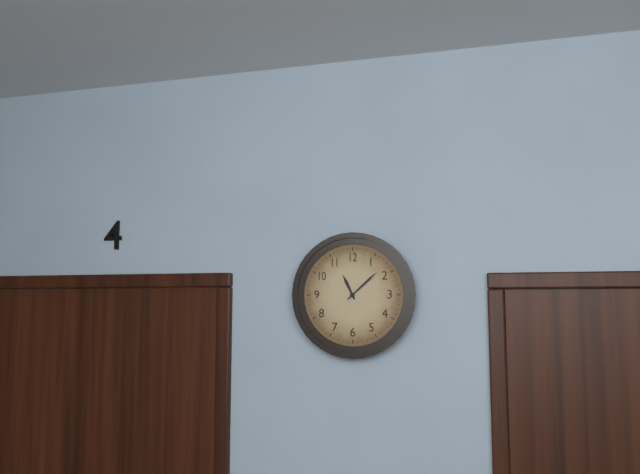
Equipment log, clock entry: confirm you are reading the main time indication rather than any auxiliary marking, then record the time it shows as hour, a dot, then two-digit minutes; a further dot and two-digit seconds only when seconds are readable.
11.08
